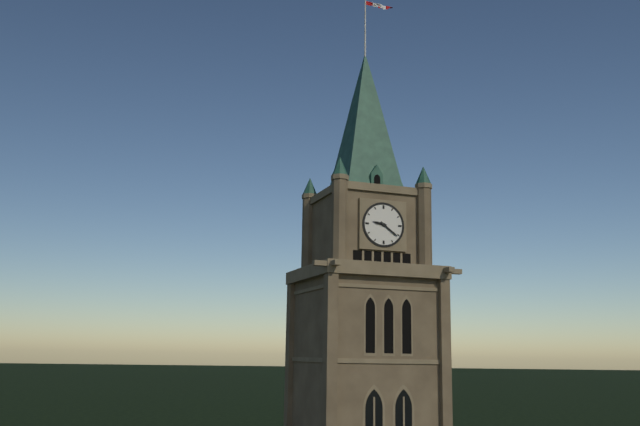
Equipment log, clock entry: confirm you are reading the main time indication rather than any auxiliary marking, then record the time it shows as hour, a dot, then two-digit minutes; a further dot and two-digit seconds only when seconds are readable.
9.21
